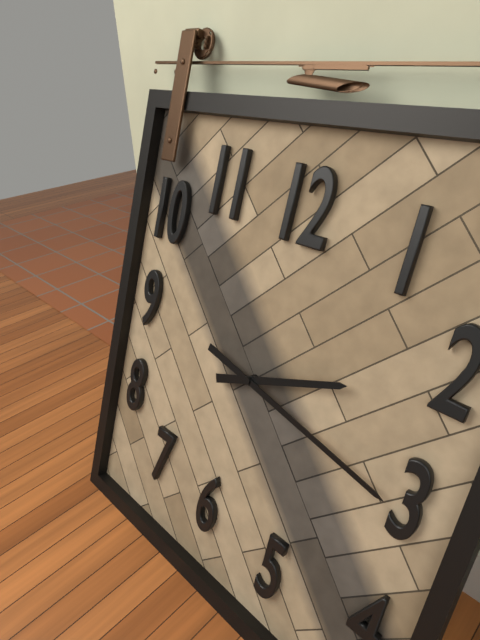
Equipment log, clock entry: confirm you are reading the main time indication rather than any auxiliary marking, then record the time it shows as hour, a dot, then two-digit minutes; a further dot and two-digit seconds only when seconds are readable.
2.17
